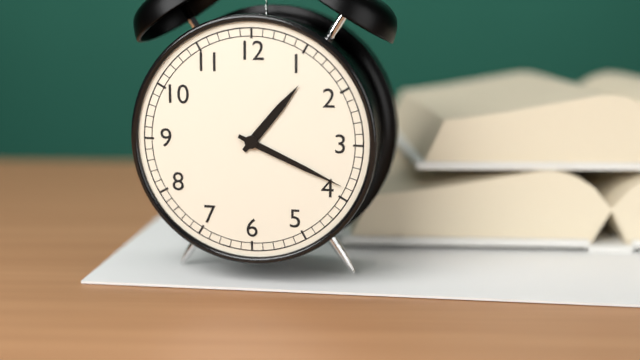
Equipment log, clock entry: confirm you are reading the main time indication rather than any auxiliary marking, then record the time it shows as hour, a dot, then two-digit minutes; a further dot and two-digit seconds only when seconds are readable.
1.19
